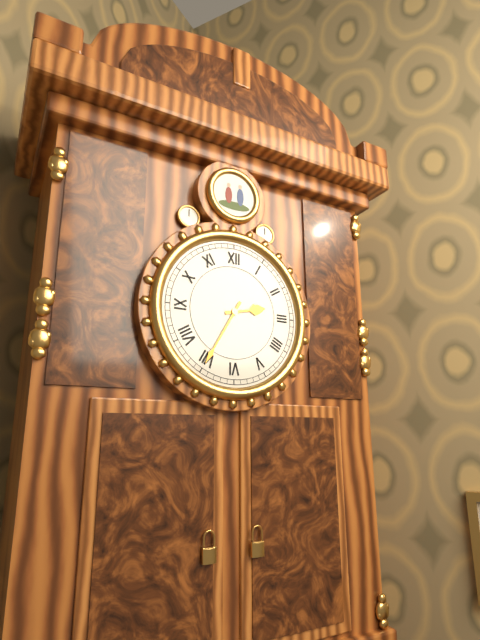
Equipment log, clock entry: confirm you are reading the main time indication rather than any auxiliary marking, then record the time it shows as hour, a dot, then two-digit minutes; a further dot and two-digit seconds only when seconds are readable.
2.35
